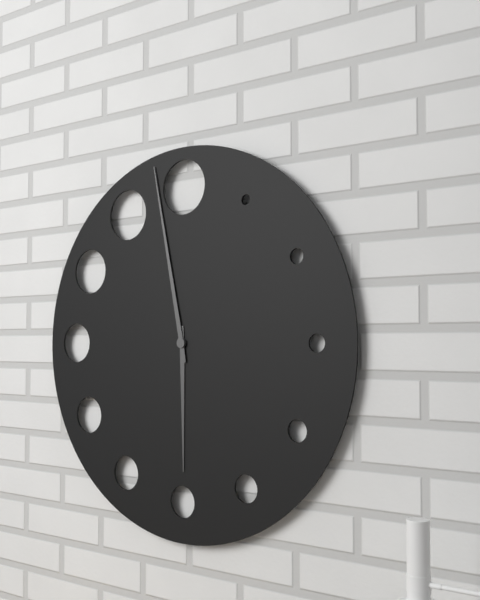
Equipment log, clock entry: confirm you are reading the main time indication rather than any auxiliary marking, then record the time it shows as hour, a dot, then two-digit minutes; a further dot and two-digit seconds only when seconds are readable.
5.58
